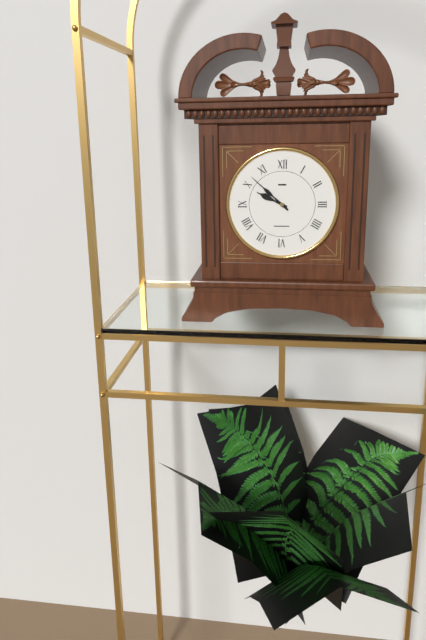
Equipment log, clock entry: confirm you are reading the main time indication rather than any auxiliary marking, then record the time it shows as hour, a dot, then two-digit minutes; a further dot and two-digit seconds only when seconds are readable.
9.52
